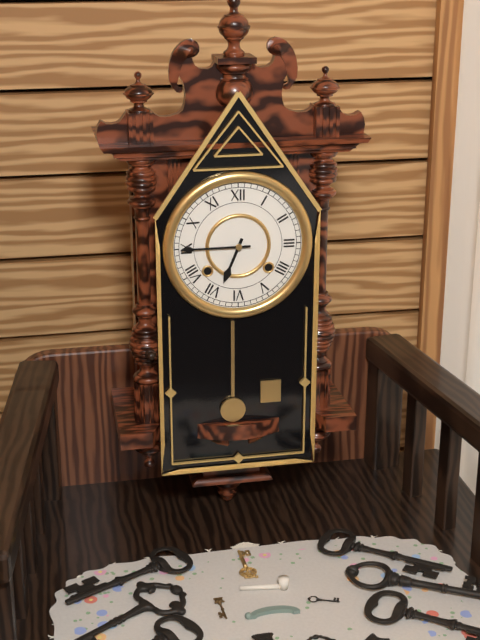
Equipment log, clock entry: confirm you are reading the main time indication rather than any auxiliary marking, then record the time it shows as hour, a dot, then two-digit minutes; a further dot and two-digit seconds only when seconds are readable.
6.45
